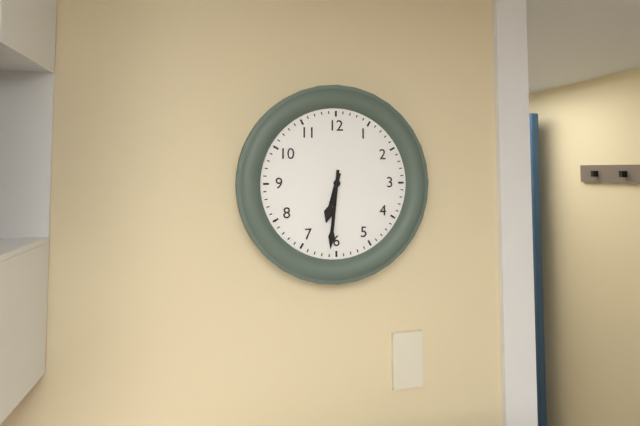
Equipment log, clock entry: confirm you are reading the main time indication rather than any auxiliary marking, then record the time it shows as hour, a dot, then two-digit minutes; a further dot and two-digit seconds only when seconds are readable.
6.31
